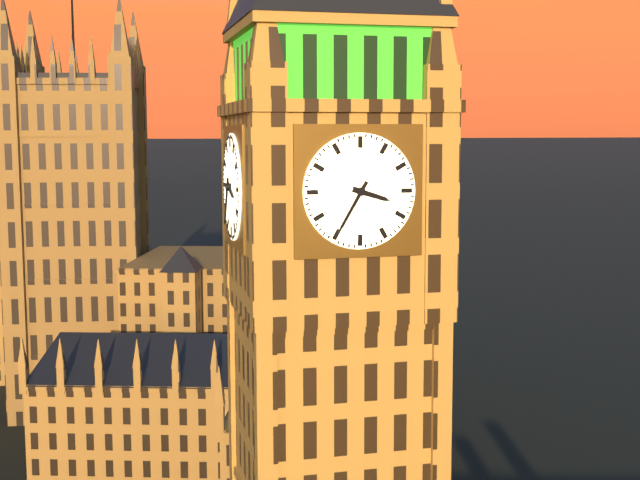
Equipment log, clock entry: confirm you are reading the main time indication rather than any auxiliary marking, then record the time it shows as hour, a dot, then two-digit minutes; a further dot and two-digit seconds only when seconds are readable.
3.35
